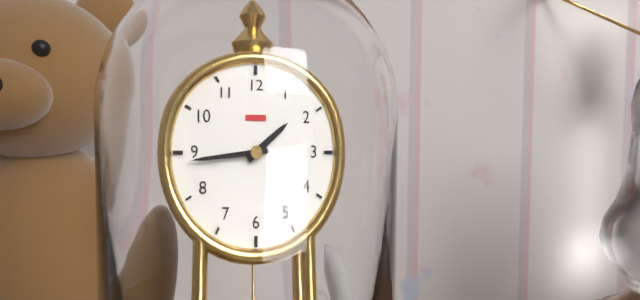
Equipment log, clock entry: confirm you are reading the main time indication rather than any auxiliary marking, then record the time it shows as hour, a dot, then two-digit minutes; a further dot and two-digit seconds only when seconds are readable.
1.44
